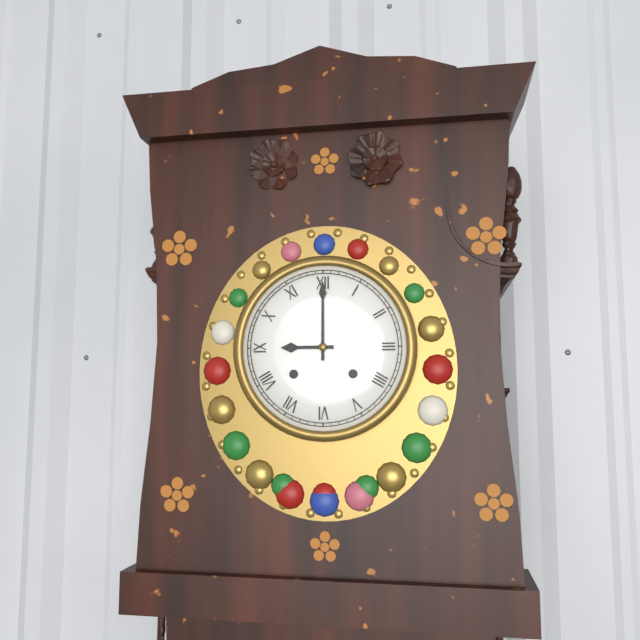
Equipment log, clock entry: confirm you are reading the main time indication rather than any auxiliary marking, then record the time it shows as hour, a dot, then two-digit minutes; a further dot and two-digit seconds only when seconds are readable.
9.00
